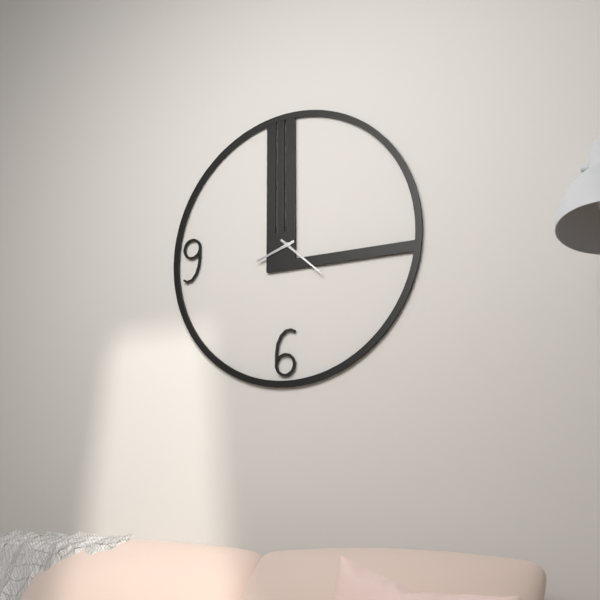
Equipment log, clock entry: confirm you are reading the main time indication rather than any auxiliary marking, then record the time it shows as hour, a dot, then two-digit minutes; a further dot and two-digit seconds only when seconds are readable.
8.22
